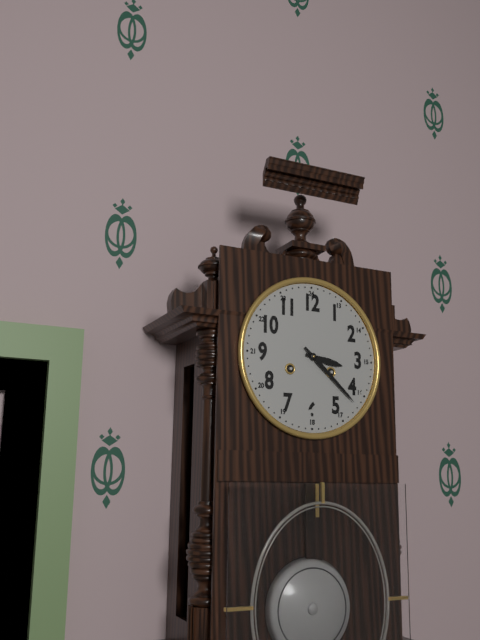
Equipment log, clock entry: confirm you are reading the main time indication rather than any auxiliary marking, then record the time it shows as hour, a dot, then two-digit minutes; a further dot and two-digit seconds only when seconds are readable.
3.22
